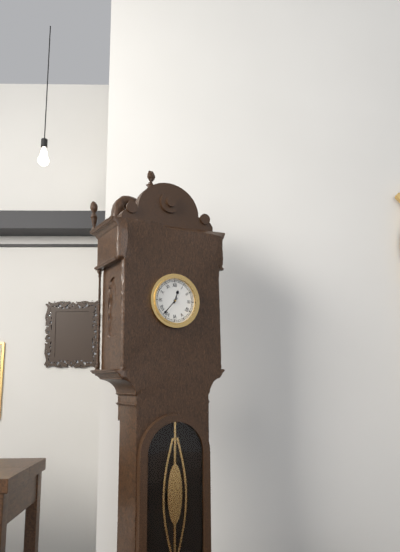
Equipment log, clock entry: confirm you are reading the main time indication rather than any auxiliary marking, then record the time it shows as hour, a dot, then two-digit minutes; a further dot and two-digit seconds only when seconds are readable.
12.37
